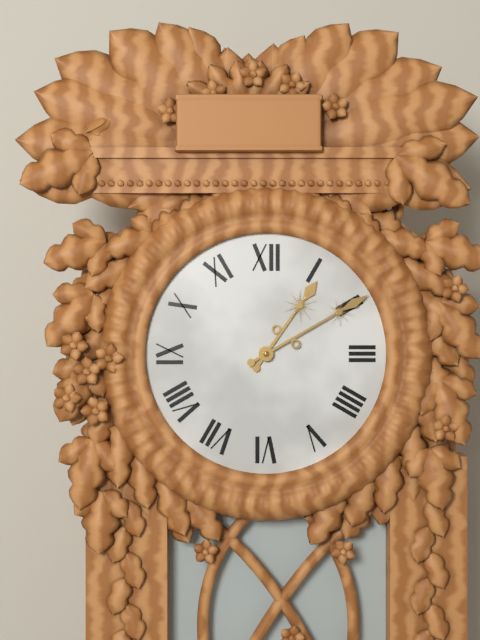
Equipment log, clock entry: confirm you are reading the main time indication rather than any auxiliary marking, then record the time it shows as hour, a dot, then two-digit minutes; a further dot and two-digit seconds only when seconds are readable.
1.10
